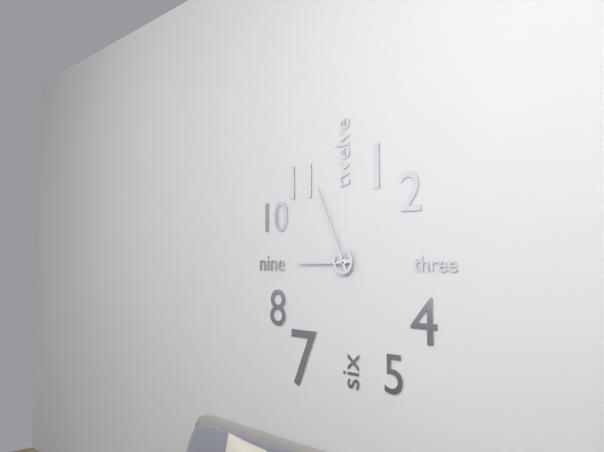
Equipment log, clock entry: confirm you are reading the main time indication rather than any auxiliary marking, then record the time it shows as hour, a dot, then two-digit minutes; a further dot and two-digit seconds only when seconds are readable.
8.56
